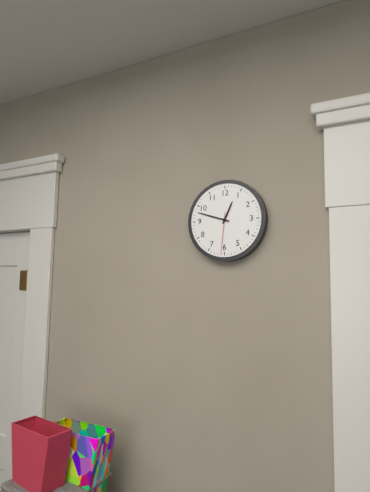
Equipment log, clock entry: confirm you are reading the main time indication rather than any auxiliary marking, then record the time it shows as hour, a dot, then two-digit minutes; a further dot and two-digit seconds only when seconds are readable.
12.48
